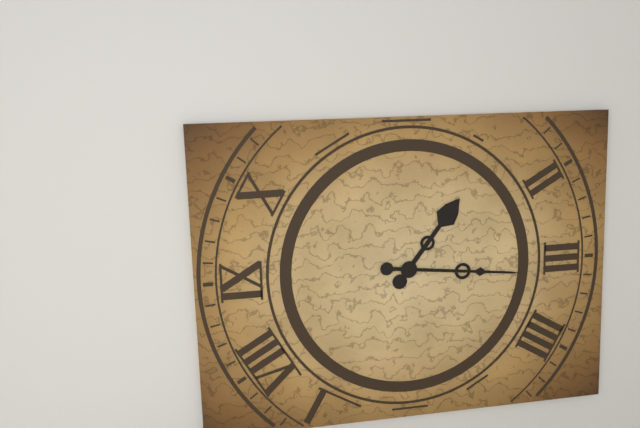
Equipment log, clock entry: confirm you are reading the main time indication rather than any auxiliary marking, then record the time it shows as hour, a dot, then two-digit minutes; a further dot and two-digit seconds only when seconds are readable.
1.16
